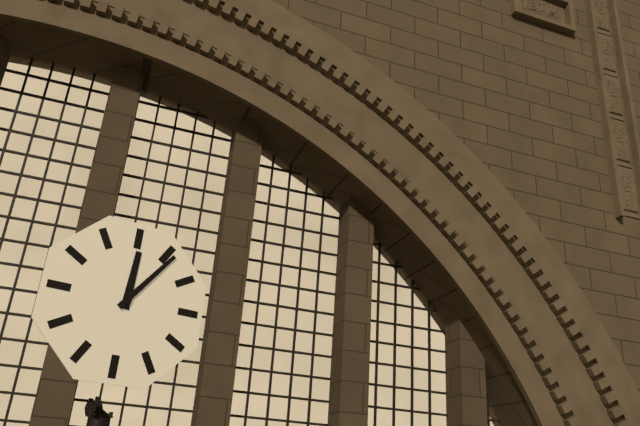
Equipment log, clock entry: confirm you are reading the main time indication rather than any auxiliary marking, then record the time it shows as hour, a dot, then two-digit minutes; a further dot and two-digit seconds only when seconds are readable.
12.06
